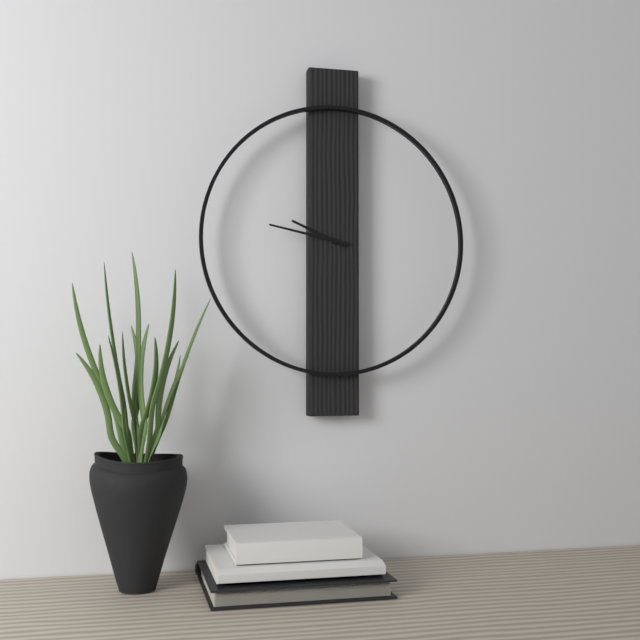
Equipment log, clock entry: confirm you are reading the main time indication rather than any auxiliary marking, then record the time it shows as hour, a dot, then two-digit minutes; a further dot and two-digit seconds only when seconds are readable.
9.47
